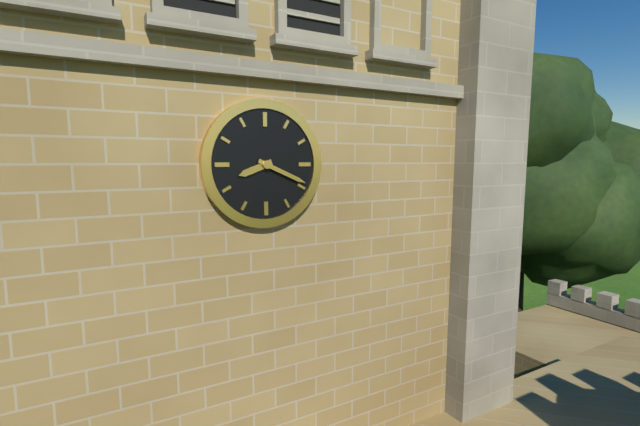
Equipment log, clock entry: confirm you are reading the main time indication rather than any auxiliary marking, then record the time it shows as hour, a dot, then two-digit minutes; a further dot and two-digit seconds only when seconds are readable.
8.19
